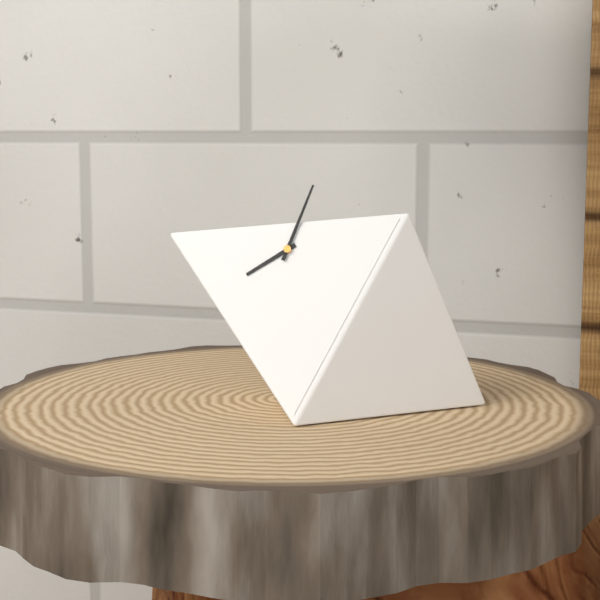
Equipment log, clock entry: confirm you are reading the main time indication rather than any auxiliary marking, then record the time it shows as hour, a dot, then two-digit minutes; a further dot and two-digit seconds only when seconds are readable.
8.04
